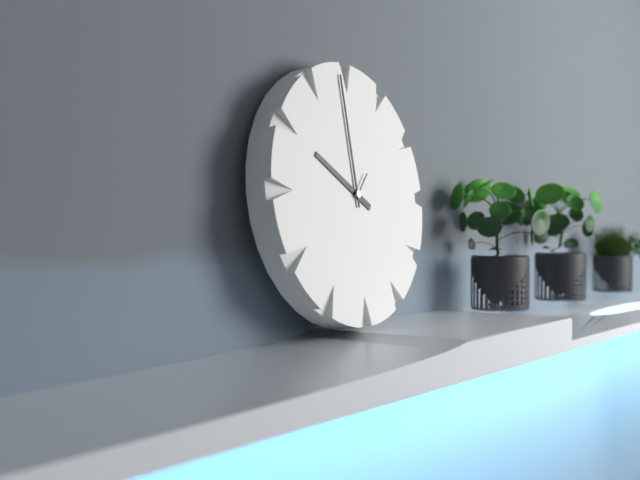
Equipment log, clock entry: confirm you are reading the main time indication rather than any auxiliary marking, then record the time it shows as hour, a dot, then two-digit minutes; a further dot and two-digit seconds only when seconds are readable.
9.59
